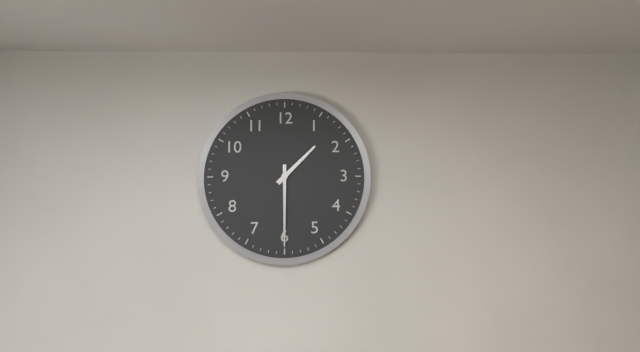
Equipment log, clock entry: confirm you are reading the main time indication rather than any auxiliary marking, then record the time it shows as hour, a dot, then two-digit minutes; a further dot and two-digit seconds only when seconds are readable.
1.30
